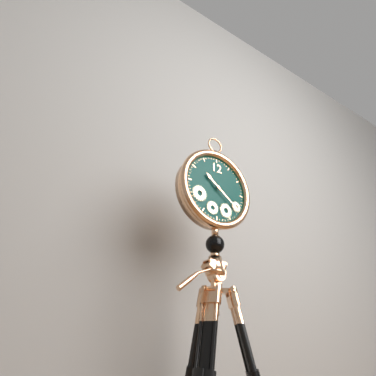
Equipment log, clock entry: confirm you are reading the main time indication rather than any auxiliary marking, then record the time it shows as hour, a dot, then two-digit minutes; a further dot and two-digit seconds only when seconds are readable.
10.21
